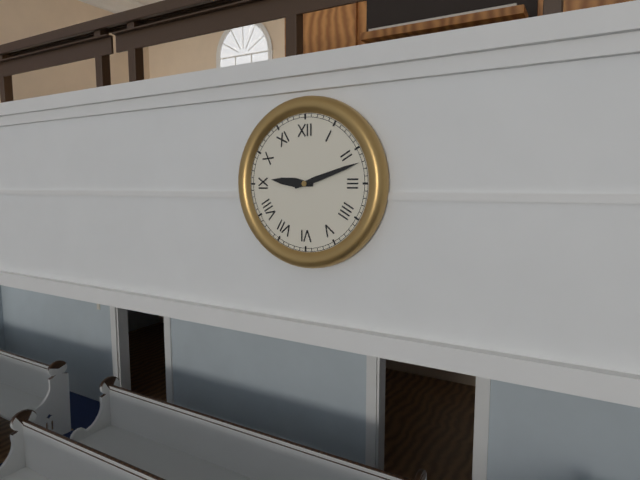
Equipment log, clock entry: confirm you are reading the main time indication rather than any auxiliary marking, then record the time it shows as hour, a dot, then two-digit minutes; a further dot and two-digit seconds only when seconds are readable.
9.12
